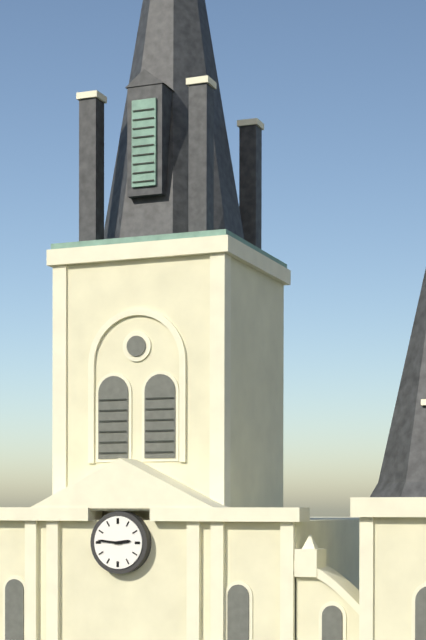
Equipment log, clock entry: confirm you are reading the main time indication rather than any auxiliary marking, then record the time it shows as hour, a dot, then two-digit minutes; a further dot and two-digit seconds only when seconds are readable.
2.46
